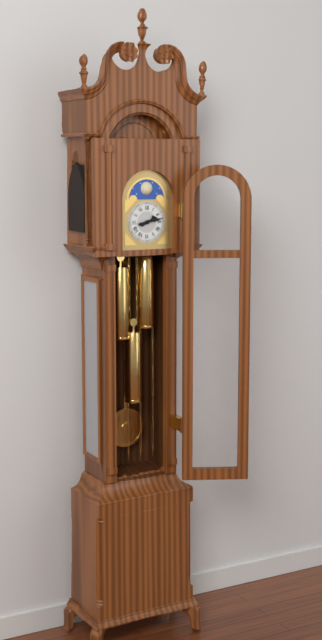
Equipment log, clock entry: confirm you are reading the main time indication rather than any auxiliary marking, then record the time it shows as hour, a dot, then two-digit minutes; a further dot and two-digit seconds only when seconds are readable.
2.13
